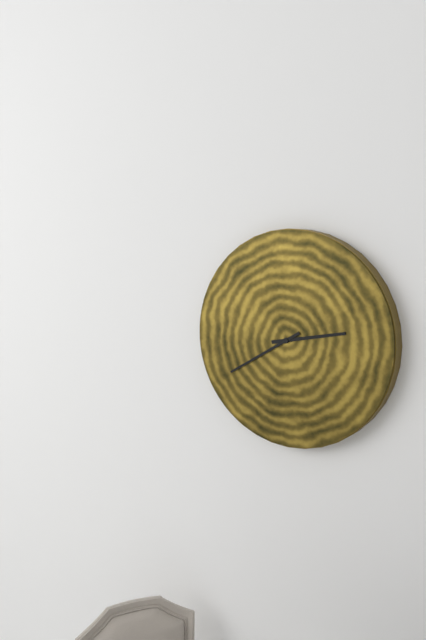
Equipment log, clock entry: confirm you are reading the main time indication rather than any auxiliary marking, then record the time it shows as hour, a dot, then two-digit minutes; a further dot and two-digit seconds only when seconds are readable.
2.40
